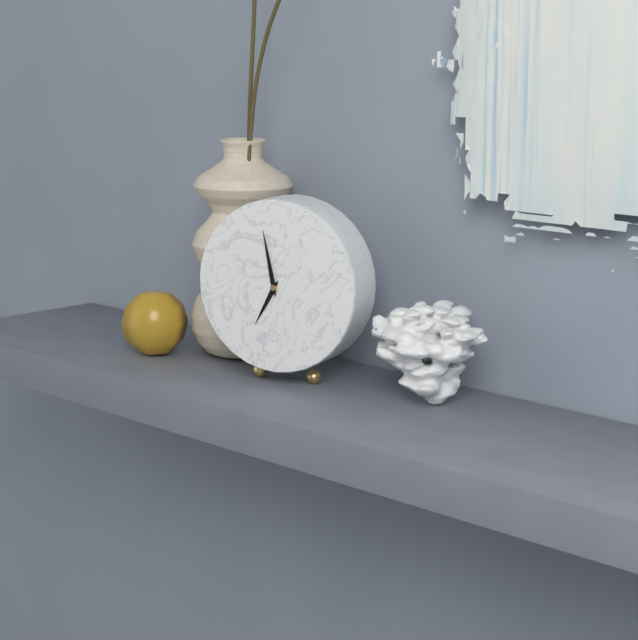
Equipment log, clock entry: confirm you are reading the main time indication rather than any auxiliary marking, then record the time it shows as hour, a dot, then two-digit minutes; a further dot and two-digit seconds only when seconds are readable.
6.58
